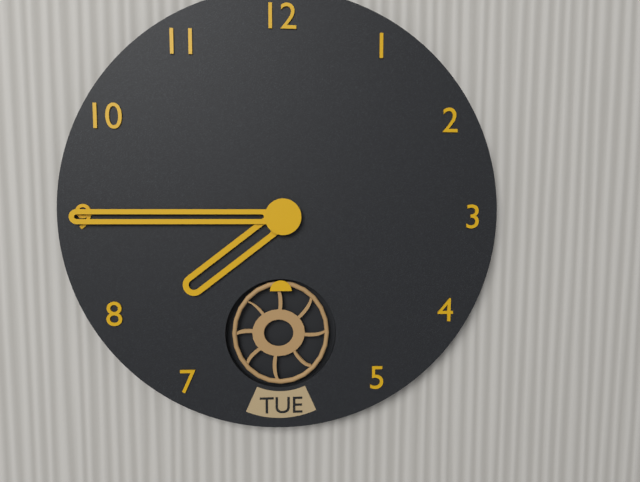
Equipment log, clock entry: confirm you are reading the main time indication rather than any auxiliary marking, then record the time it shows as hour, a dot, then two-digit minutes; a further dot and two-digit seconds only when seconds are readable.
7.45
